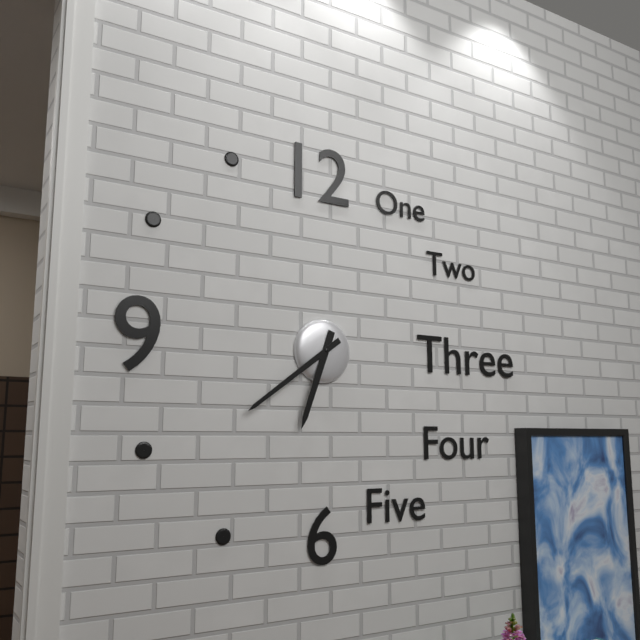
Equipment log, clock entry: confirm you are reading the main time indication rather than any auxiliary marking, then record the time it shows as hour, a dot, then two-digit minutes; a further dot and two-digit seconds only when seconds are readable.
6.39
